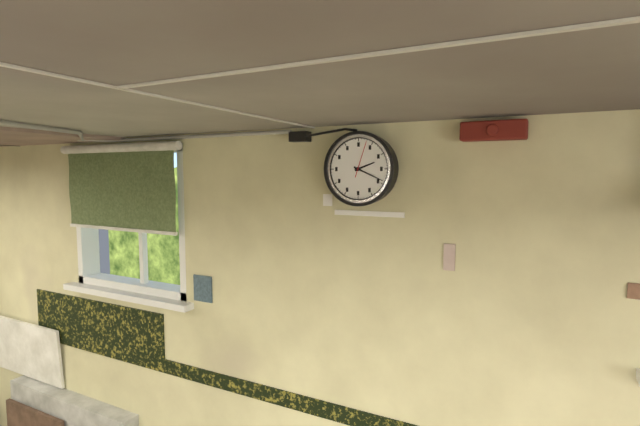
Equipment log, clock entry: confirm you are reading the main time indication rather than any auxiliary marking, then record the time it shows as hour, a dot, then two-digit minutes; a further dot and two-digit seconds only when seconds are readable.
2.19
